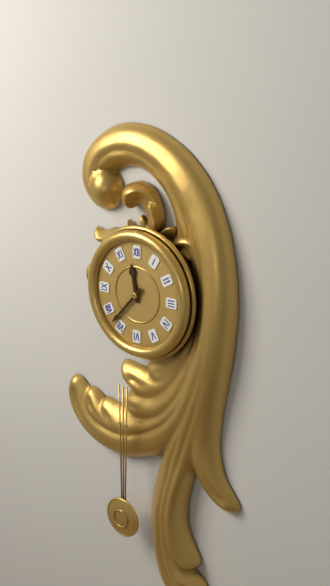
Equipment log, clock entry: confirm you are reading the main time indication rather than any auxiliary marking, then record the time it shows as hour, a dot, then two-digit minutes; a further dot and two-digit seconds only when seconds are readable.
11.37
